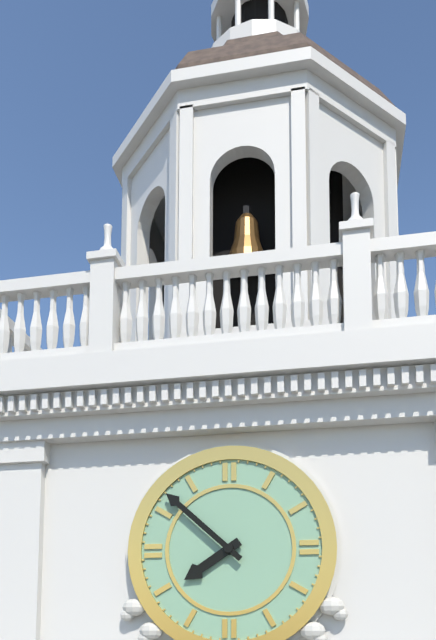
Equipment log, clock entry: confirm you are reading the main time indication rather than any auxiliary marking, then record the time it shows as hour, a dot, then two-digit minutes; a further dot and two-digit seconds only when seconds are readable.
7.52
